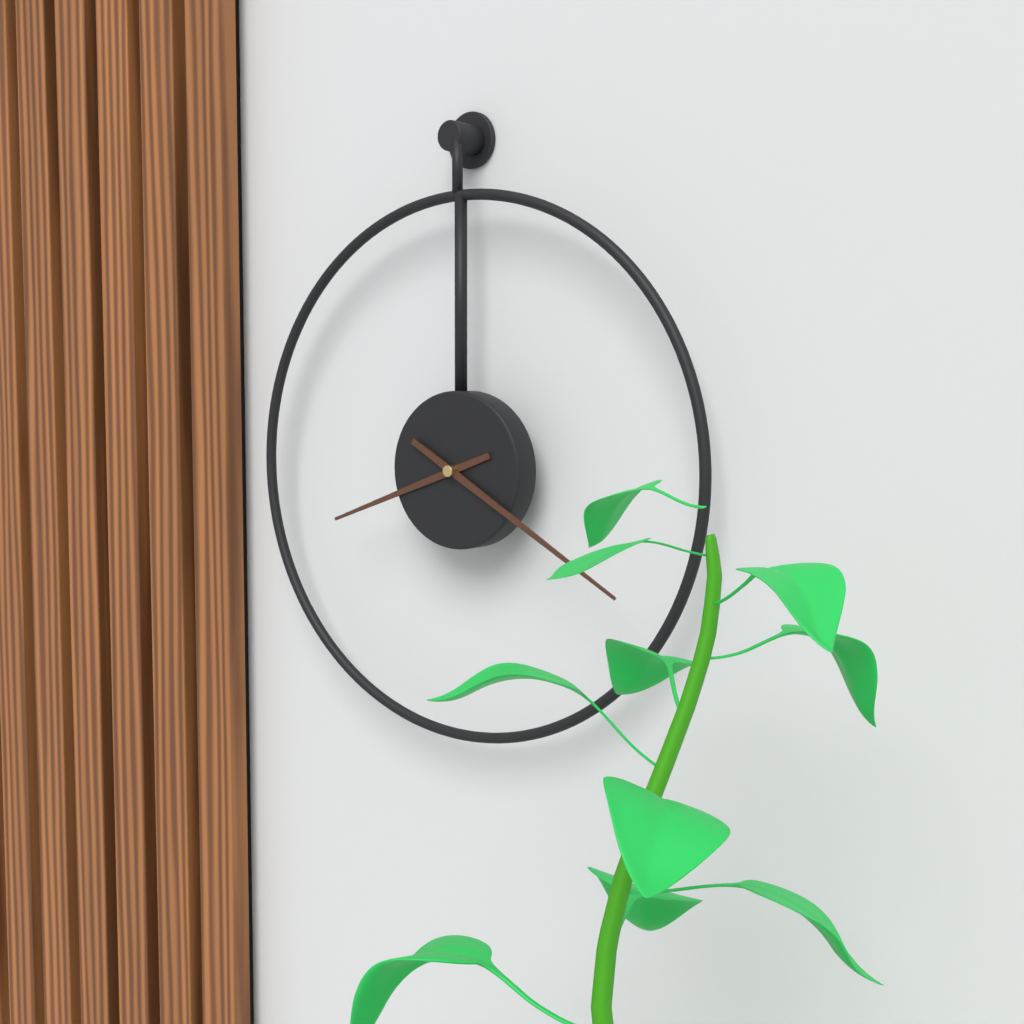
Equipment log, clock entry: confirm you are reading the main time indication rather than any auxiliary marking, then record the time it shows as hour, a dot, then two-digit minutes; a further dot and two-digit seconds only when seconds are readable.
8.20
